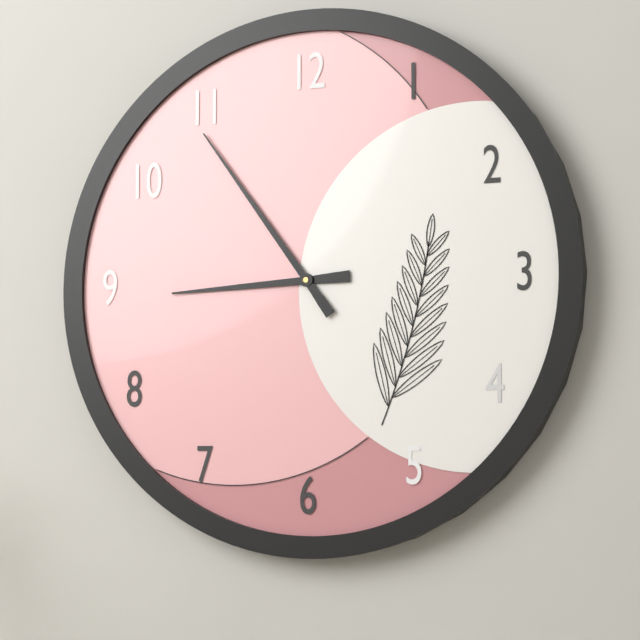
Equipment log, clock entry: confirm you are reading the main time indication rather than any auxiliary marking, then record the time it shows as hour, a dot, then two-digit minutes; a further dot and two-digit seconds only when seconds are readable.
8.54
